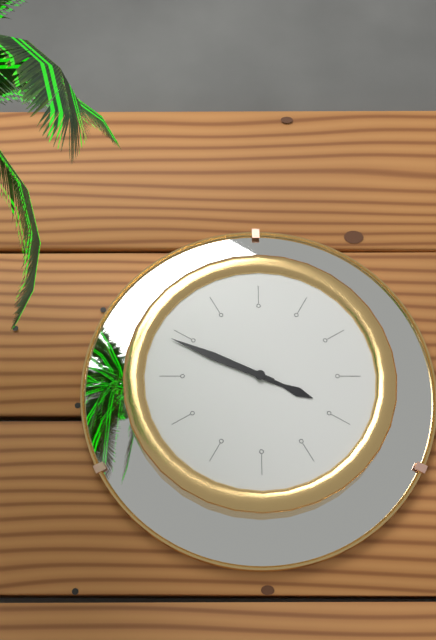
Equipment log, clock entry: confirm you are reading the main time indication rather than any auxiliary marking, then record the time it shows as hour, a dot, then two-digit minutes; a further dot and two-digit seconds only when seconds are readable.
3.49
